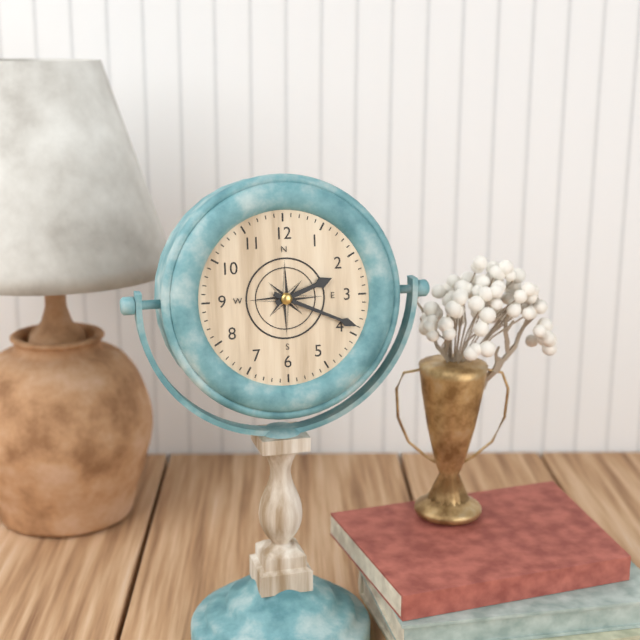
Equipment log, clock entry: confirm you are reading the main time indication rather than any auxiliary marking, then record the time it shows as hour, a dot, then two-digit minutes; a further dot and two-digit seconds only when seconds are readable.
2.19
